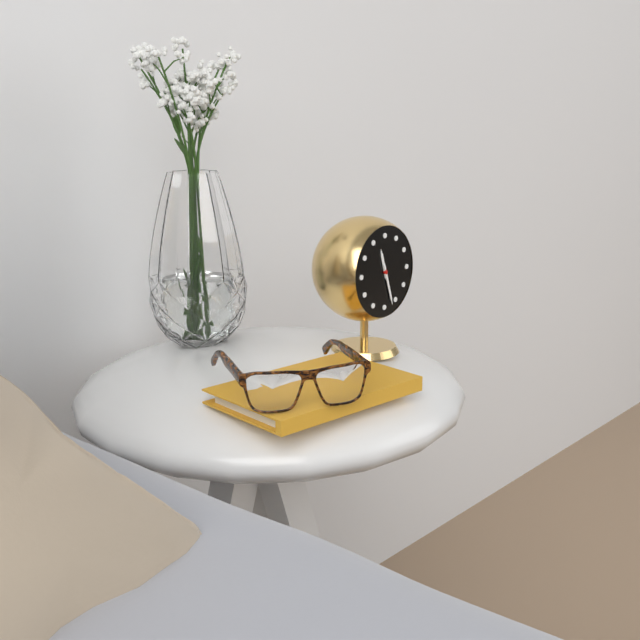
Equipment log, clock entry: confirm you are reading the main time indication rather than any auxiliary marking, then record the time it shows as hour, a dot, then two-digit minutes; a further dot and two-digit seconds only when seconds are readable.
11.27
